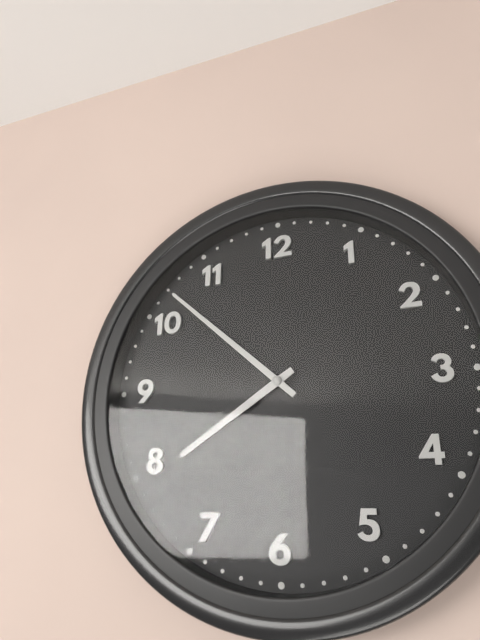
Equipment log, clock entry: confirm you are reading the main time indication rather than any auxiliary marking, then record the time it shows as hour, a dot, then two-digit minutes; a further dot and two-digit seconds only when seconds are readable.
7.52
